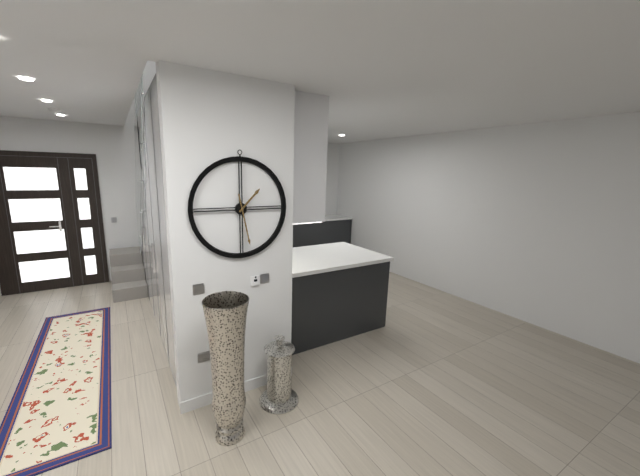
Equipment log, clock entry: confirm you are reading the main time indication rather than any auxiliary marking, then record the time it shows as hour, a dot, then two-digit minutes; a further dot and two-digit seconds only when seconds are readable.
1.28
